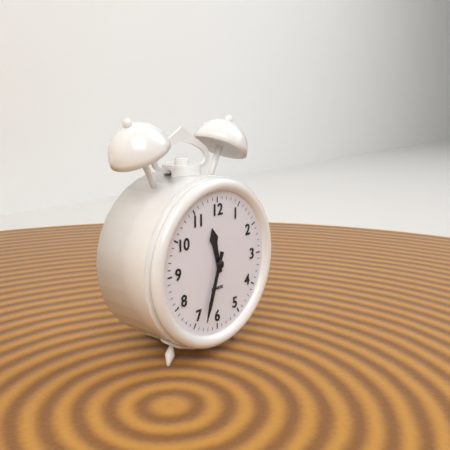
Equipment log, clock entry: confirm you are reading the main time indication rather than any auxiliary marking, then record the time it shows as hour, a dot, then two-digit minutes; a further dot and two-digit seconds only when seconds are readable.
11.33
